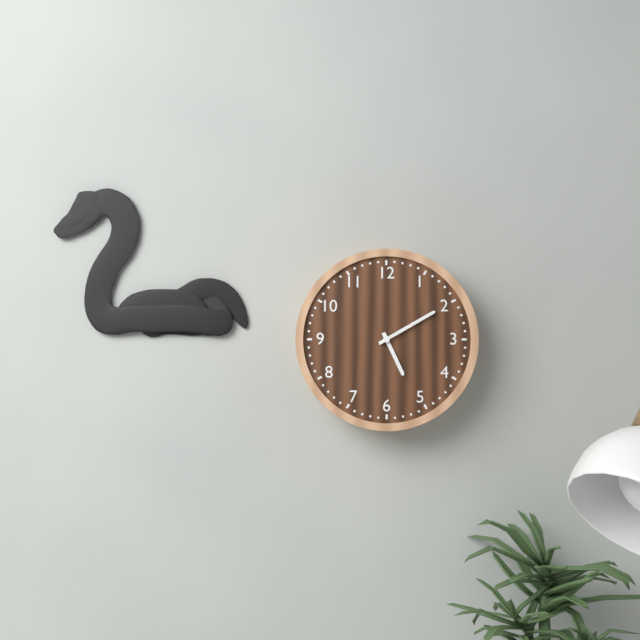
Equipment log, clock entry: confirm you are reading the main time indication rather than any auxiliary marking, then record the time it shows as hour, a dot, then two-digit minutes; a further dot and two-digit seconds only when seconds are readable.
5.10
